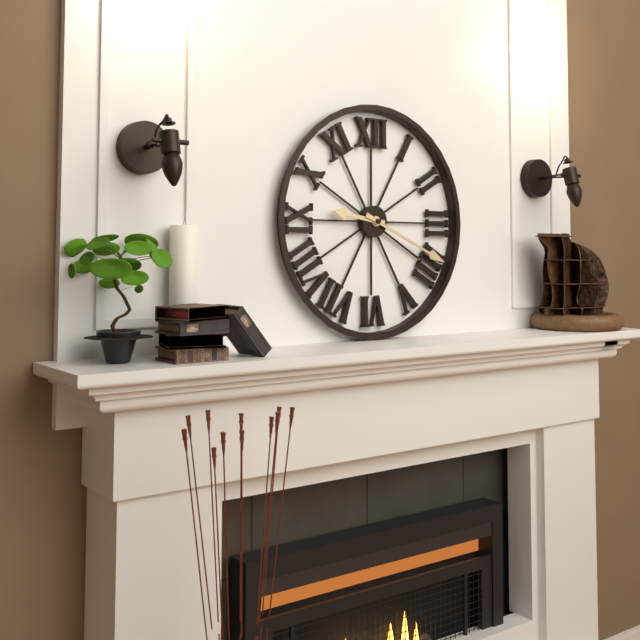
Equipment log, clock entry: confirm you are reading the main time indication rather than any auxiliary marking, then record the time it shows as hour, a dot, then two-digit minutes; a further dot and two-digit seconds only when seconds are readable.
9.19
